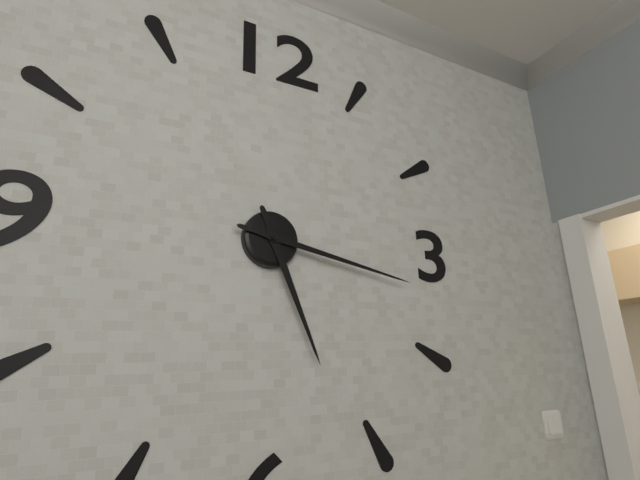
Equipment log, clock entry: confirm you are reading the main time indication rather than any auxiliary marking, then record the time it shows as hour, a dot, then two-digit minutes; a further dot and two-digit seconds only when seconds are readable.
5.17
